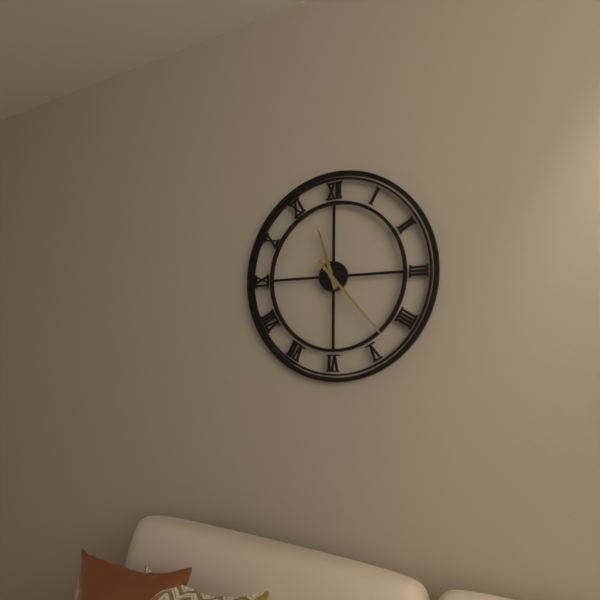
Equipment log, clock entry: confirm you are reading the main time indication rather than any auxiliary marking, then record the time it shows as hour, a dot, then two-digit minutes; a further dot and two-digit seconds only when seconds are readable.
11.23
